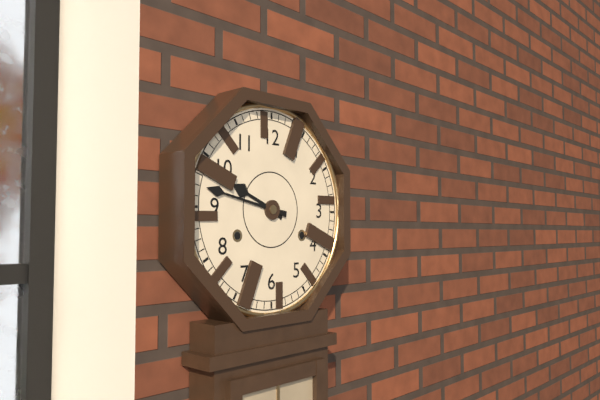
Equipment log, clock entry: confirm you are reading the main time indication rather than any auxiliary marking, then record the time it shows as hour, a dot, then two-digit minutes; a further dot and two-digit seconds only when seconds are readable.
9.47
